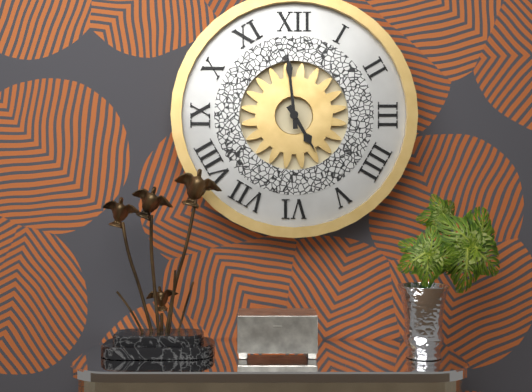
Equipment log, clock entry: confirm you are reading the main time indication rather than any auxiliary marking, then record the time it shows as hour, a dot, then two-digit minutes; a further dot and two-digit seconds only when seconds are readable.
4.59
